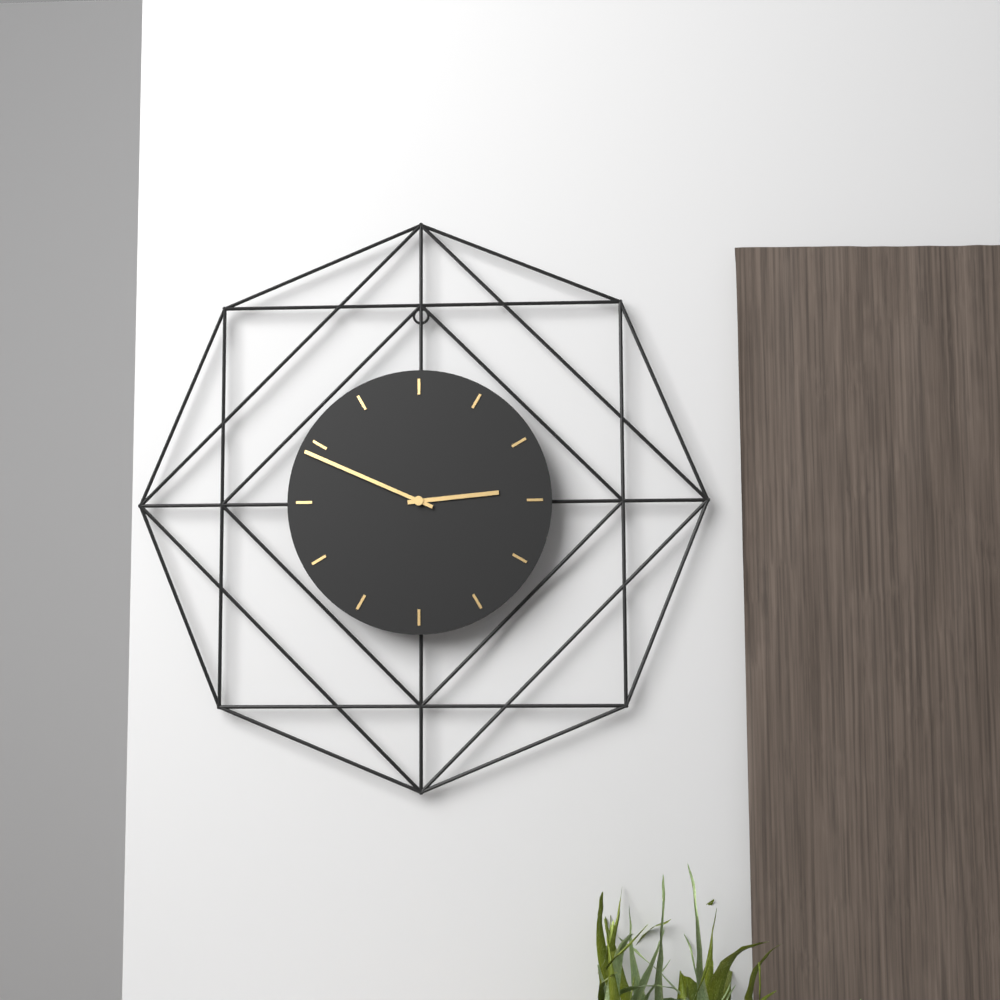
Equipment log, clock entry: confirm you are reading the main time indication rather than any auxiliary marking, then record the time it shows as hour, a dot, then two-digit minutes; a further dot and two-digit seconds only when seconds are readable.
2.49
